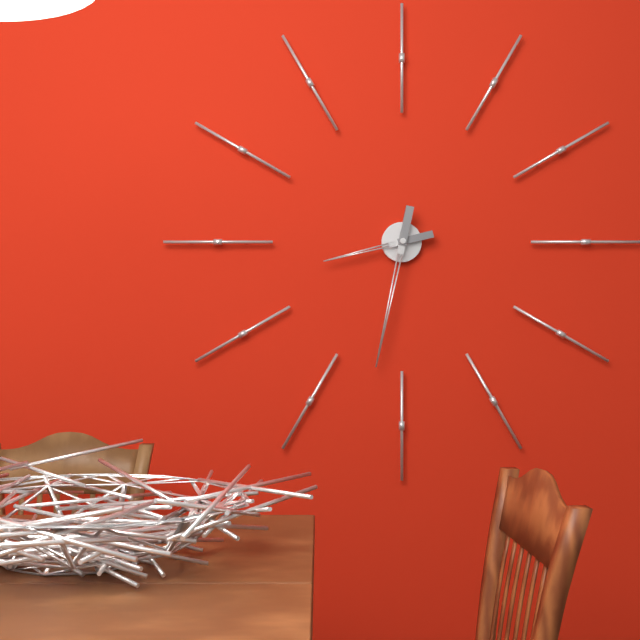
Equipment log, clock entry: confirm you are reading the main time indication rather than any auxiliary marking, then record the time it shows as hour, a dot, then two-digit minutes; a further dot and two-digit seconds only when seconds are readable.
8.32
